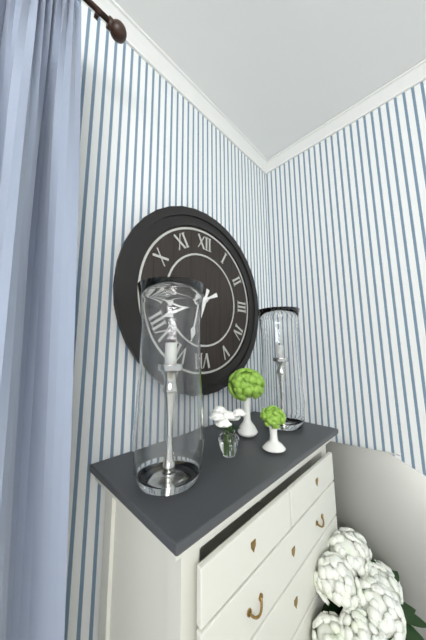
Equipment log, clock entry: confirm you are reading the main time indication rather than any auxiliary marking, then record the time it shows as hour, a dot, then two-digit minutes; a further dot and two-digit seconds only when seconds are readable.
6.41
